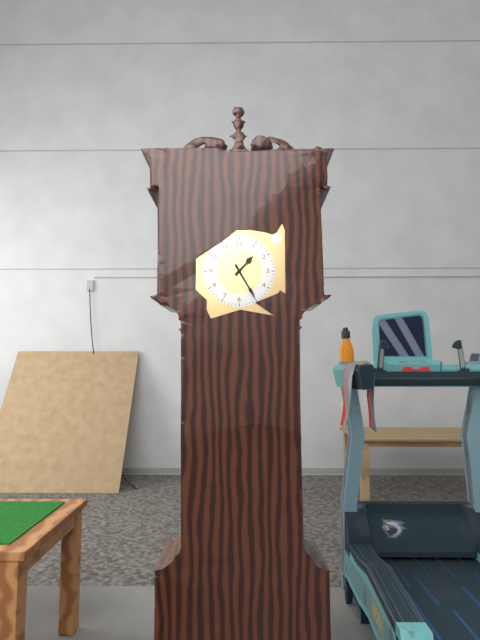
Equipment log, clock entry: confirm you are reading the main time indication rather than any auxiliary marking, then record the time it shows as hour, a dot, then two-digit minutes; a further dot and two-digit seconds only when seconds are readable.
1.25
